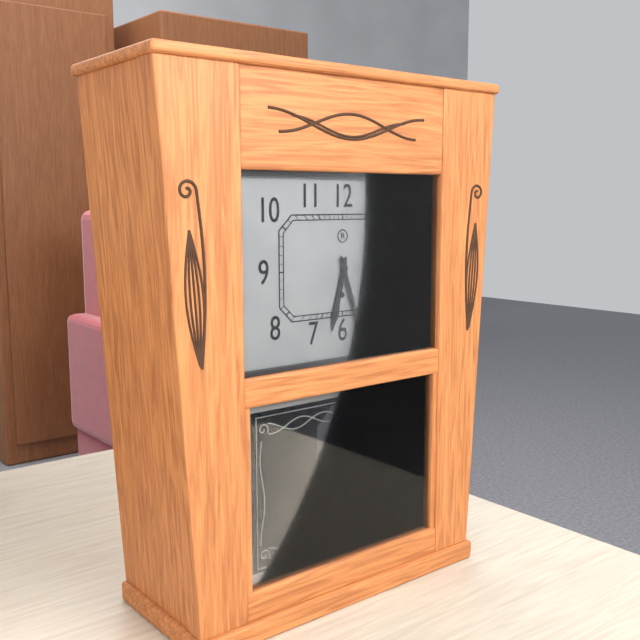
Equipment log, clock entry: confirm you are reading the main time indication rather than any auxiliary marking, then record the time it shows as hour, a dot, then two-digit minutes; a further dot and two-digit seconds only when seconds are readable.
6.27
